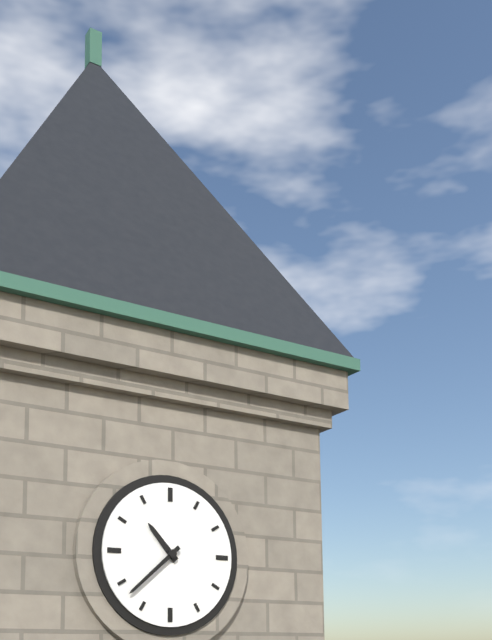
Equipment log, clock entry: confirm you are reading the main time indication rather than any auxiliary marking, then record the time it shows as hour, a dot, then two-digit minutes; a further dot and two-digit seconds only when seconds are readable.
10.38
